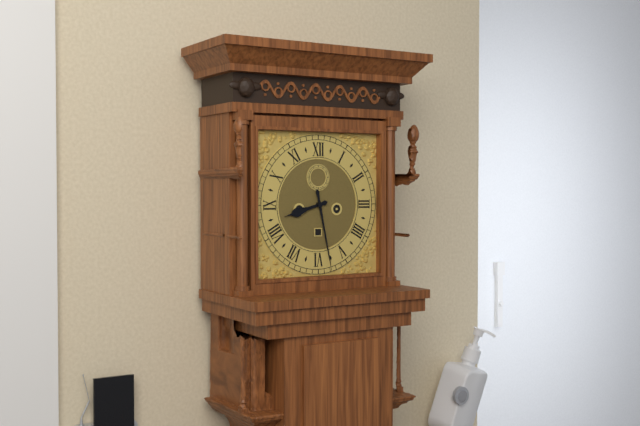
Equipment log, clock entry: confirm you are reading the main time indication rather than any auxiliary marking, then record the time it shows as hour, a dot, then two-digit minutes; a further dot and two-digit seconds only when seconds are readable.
8.28
